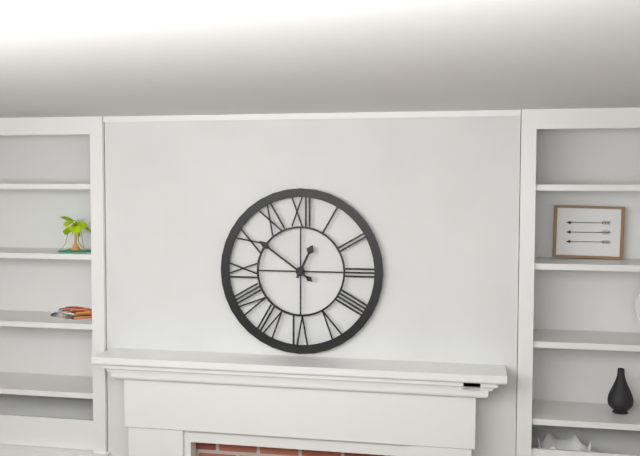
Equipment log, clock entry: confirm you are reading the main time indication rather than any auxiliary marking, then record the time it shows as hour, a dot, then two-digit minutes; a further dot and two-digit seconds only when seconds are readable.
12.51
